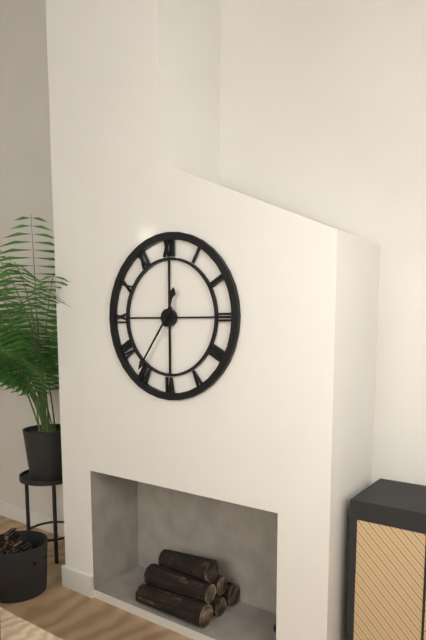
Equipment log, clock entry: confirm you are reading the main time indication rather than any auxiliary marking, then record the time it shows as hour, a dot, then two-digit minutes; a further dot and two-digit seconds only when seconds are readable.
12.36
